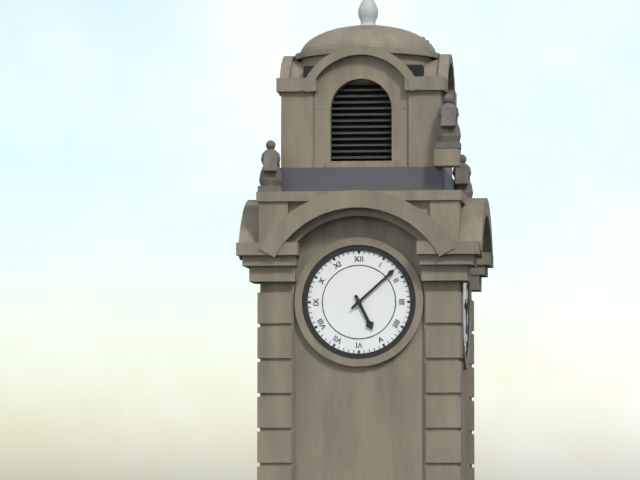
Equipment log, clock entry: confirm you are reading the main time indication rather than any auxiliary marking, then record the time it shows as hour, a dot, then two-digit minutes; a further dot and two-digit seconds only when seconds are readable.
5.08
